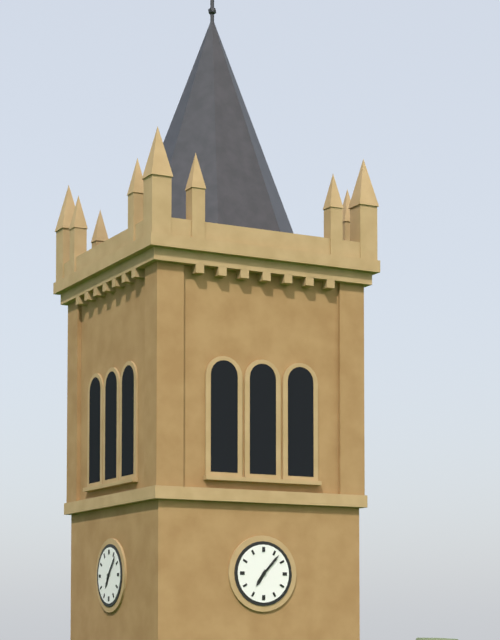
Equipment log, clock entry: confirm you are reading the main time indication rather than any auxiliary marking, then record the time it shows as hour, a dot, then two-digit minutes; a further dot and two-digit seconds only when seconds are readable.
7.07
